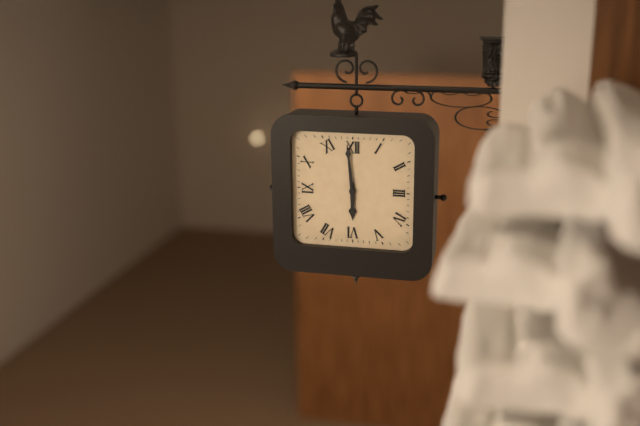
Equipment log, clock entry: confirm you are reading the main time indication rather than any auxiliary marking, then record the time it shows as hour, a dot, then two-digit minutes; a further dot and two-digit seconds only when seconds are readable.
5.59
